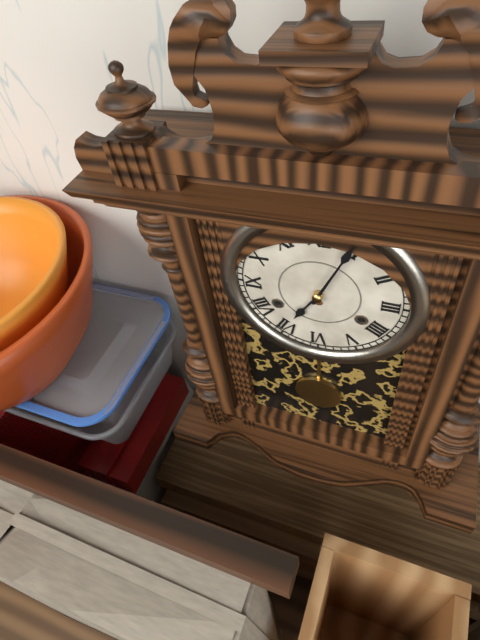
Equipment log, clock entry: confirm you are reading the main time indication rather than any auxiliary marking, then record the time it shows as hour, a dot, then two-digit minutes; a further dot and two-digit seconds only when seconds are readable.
7.04
